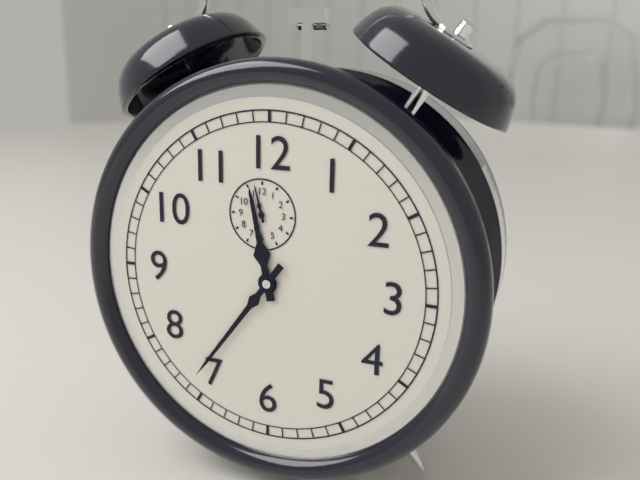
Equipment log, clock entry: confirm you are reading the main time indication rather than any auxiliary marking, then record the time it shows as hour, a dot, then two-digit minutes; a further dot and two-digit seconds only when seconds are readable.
11.36
